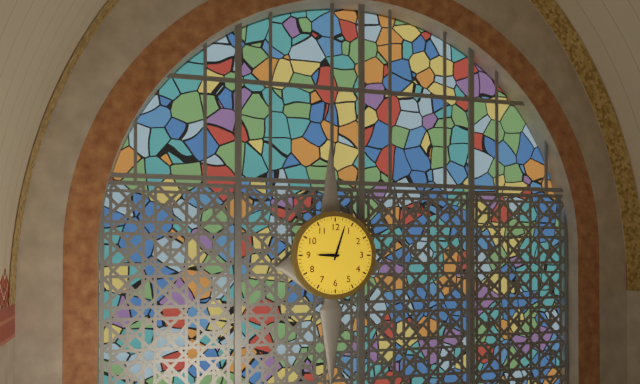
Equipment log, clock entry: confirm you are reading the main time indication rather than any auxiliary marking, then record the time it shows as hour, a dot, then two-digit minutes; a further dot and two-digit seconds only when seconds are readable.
9.03
